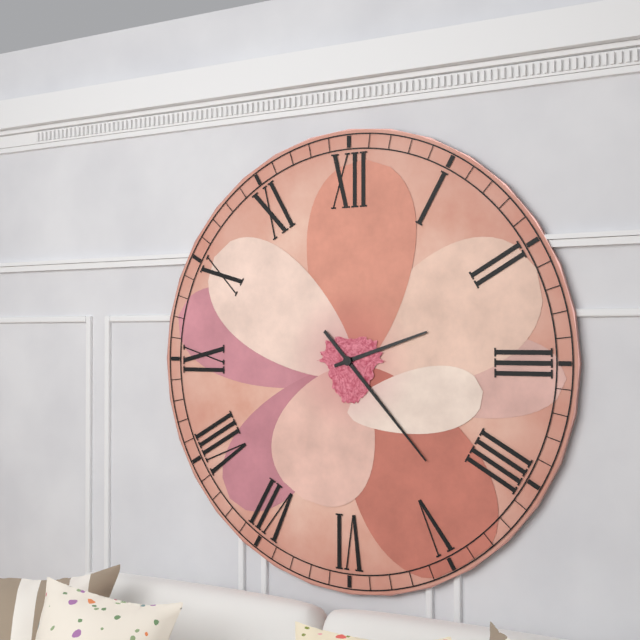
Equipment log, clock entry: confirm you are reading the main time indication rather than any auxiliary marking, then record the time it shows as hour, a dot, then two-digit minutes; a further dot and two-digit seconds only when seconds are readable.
2.23
